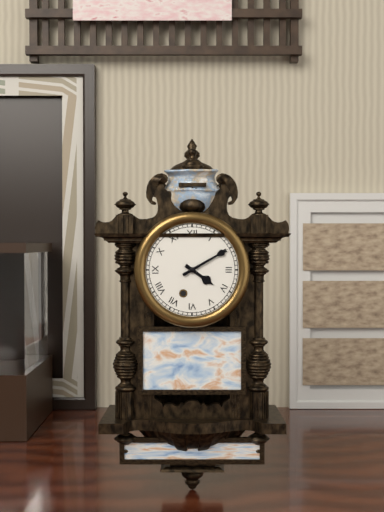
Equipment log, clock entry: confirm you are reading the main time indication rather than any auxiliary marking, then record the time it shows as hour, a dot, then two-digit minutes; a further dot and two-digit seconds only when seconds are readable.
4.10
